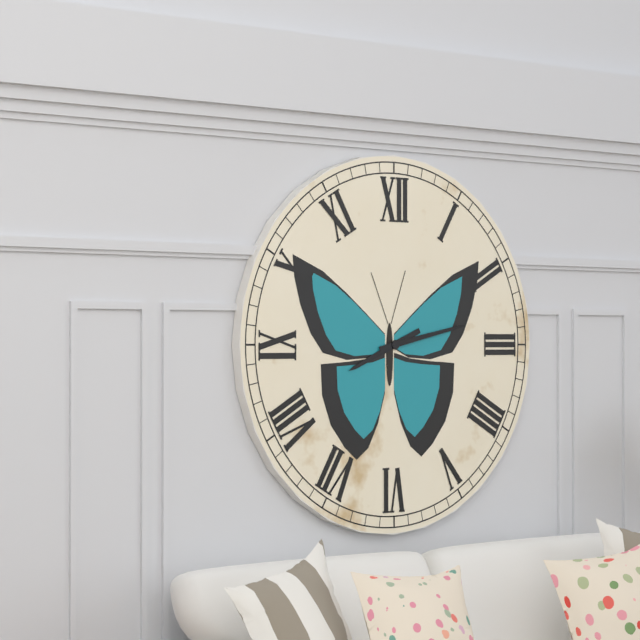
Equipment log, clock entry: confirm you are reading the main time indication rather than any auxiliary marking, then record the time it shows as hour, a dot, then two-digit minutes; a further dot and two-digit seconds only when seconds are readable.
8.13
